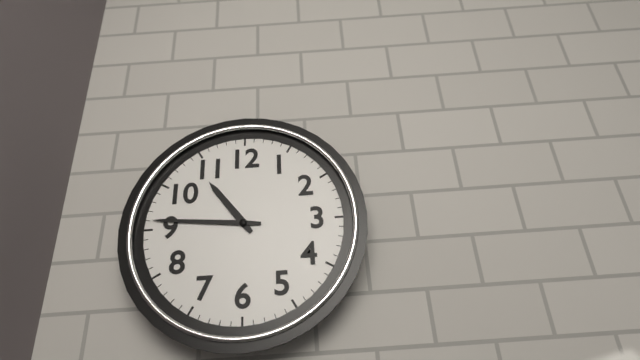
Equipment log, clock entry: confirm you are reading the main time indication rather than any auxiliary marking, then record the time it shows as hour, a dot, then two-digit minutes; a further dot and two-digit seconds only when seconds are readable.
10.46
